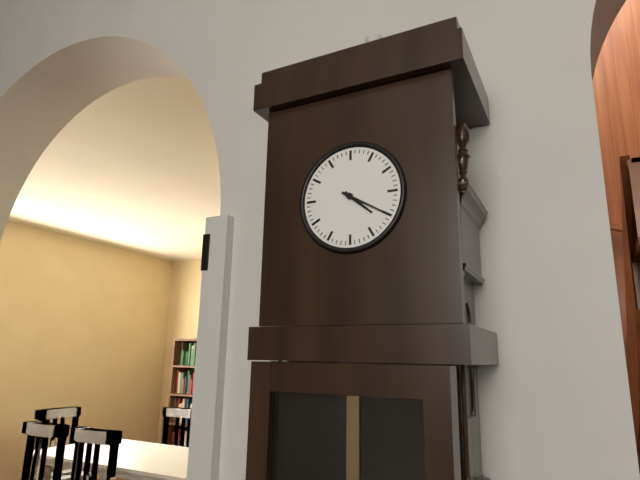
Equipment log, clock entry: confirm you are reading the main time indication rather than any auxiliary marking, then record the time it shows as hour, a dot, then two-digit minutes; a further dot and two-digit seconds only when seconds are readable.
4.20
